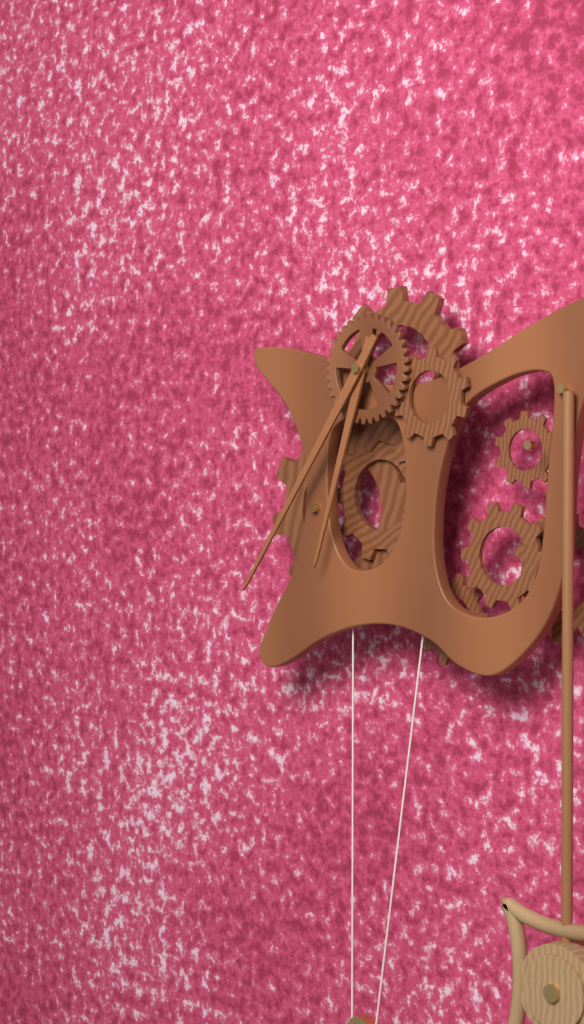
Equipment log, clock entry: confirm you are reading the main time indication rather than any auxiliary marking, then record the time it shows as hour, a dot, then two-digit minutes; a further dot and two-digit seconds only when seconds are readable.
6.36
